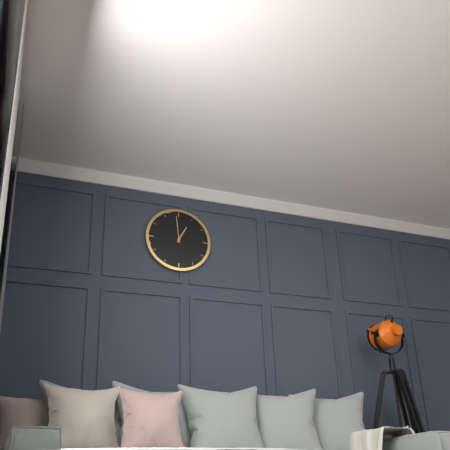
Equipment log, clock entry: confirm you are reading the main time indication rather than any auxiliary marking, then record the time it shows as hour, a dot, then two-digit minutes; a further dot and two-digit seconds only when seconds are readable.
12.59
